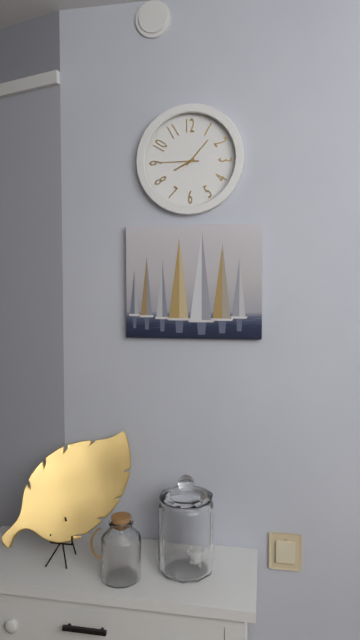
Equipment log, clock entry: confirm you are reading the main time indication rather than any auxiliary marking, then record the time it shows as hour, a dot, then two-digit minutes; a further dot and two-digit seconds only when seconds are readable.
8.07
